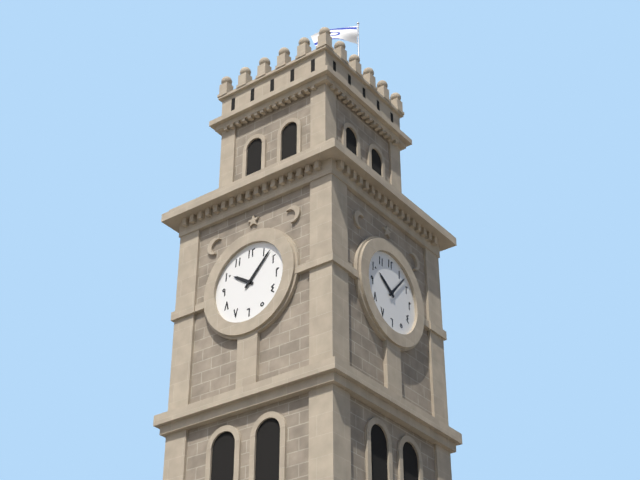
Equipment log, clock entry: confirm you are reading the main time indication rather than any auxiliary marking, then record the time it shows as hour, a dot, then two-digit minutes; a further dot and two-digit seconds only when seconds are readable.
10.07
